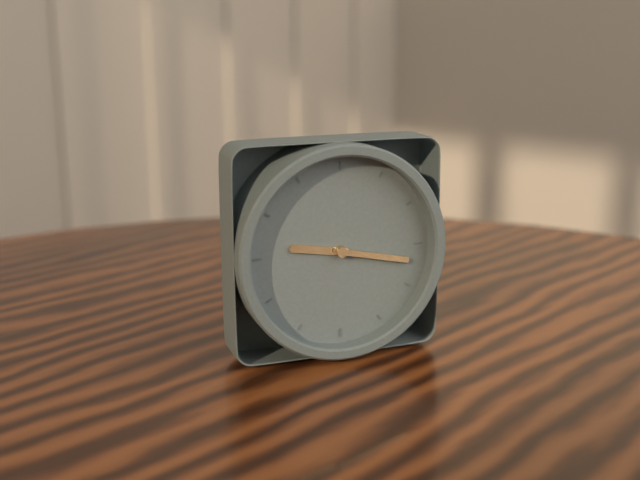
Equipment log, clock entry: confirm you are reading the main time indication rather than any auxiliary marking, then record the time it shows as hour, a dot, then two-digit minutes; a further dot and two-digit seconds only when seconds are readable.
9.17
